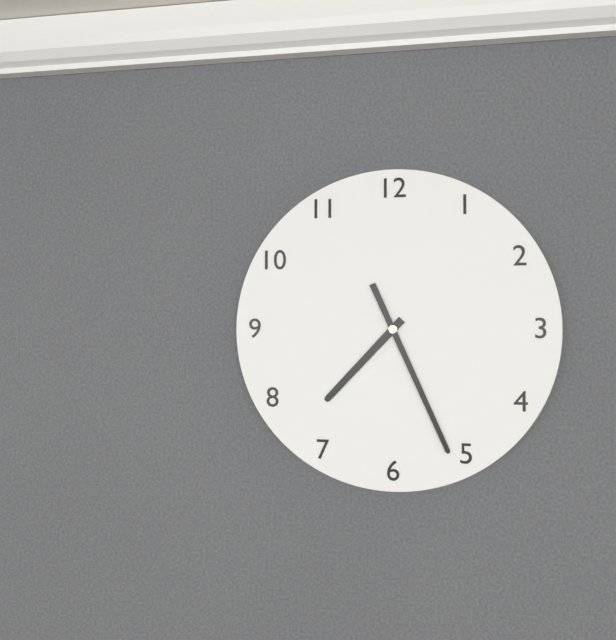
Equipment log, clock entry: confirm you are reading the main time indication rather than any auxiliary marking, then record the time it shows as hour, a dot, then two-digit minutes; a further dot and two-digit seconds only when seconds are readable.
7.26
